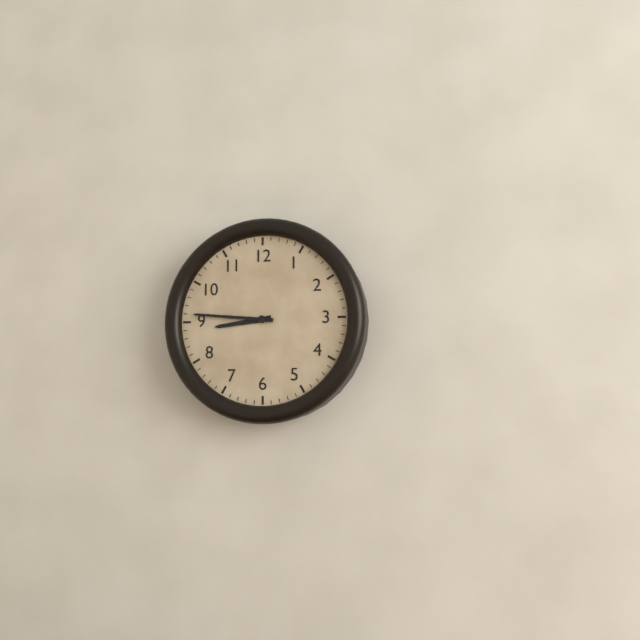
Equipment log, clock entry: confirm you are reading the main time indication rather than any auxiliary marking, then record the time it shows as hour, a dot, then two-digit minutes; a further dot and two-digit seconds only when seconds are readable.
8.46
